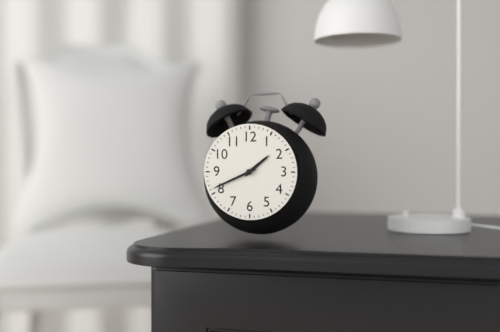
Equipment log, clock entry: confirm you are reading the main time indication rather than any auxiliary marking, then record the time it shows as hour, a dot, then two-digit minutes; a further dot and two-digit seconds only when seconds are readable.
1.41
